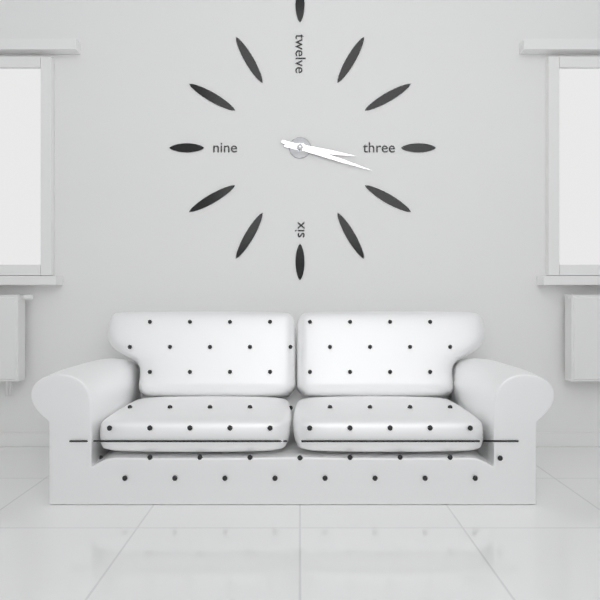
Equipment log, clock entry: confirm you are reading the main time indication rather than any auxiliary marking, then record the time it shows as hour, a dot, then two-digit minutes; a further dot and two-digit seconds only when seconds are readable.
3.18
